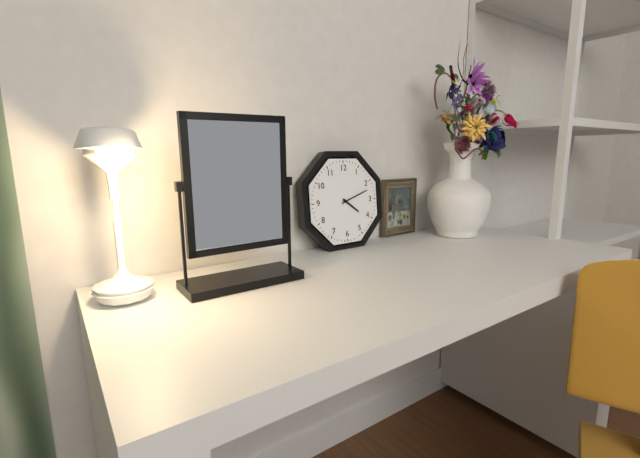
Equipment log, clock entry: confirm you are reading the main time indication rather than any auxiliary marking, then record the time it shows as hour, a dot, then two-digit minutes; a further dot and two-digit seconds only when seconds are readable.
4.12
